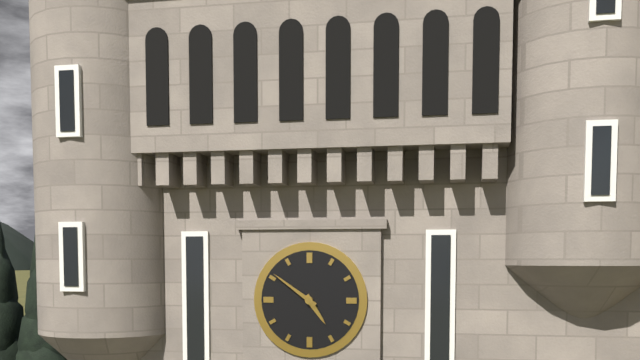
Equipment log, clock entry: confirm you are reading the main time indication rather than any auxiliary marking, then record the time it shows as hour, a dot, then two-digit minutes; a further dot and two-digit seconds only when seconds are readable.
4.51
